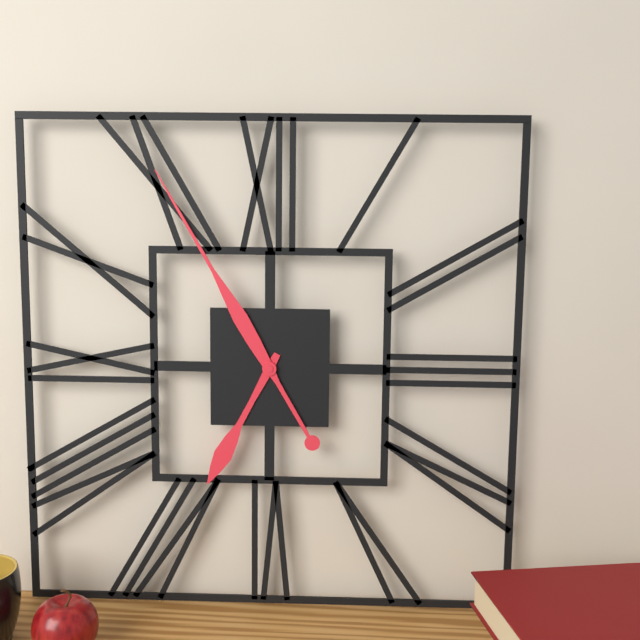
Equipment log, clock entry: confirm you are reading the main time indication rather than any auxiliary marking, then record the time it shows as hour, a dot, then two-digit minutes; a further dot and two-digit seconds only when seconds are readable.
6.55
